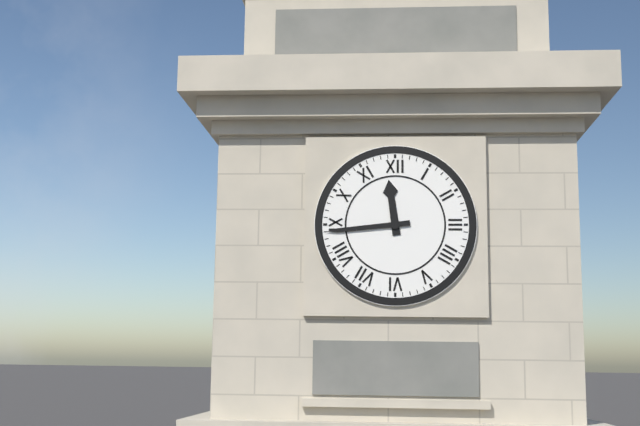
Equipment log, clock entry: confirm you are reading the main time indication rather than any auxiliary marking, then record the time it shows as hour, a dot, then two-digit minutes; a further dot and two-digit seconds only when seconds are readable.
11.44
